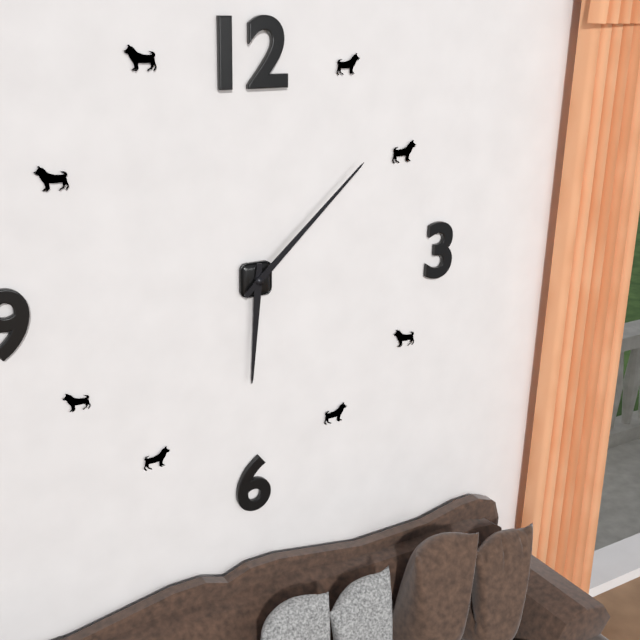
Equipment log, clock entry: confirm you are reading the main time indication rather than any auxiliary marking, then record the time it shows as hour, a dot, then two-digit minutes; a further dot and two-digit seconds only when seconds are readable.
6.08
